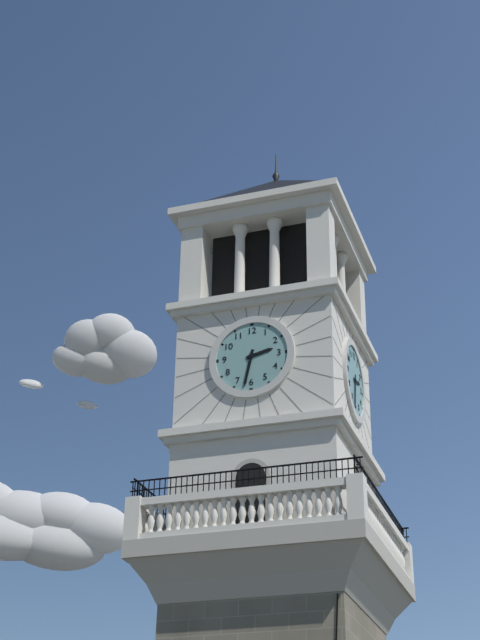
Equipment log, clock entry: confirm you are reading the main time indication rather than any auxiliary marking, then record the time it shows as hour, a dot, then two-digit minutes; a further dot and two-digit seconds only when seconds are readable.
2.32
